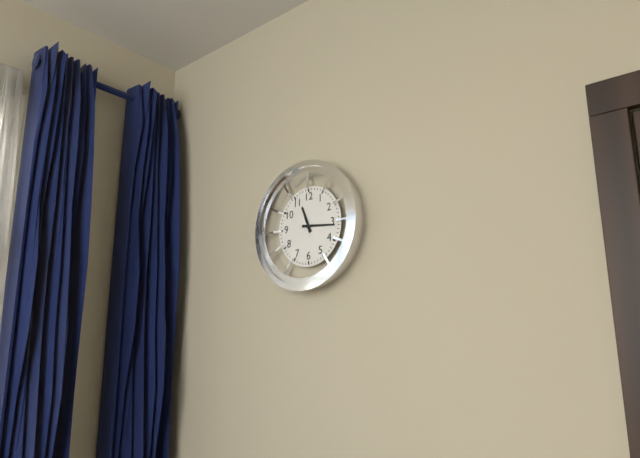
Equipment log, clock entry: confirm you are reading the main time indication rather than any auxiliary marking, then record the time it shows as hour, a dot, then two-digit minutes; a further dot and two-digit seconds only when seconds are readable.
11.16
